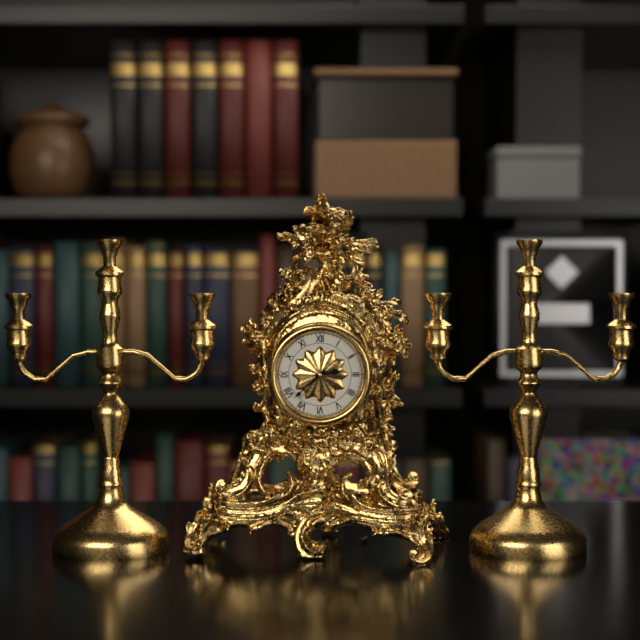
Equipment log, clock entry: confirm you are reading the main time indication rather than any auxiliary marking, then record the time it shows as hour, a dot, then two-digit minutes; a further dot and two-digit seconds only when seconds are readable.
2.38
